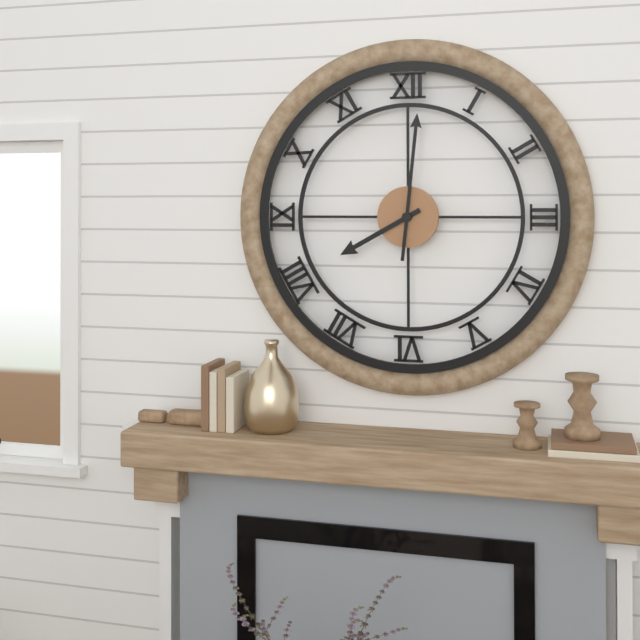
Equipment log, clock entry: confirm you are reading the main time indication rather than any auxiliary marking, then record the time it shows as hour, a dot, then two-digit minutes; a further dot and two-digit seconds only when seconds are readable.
8.01
